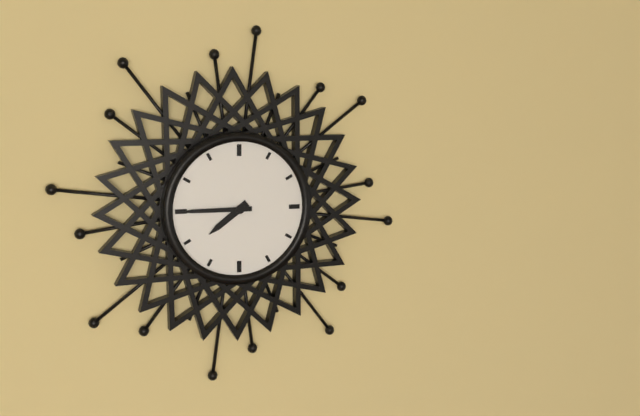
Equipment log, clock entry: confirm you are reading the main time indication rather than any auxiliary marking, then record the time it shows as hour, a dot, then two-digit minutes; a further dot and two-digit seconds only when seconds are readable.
7.45
